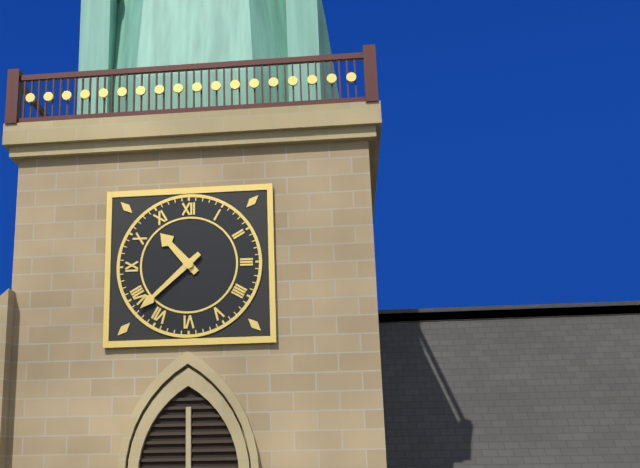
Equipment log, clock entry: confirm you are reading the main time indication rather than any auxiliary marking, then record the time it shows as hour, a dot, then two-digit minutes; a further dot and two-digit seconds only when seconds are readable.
10.38
